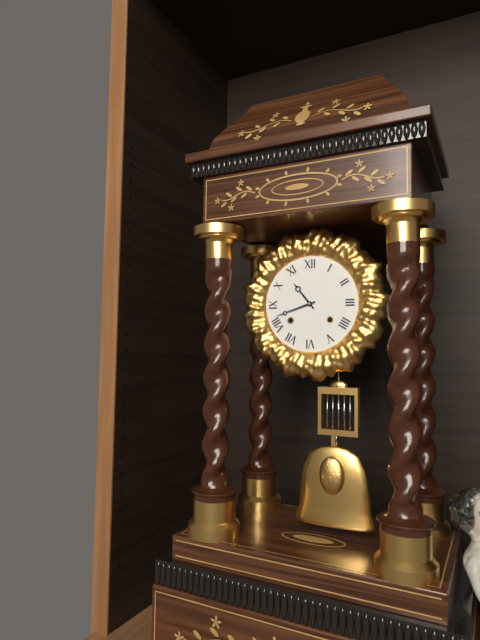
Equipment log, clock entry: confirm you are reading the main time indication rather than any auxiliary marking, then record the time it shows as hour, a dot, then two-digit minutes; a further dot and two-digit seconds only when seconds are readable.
10.42
